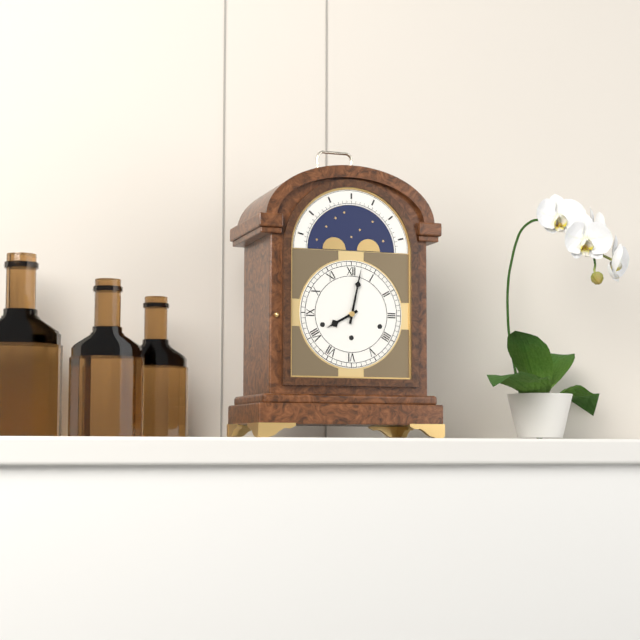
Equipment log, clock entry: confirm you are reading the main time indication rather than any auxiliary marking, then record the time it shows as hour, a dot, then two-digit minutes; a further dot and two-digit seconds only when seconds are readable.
8.02
